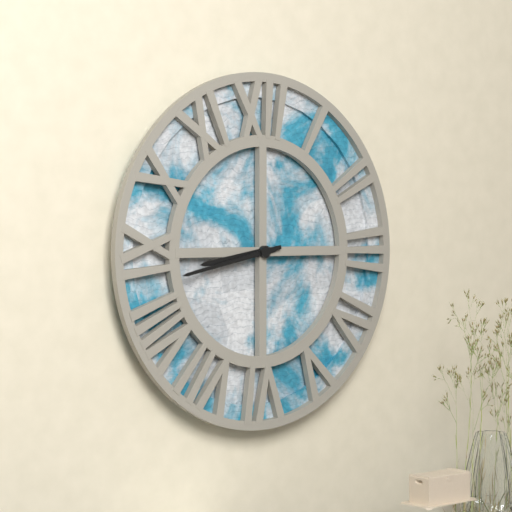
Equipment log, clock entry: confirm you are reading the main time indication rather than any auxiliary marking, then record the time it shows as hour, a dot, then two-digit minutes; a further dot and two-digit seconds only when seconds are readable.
8.43
